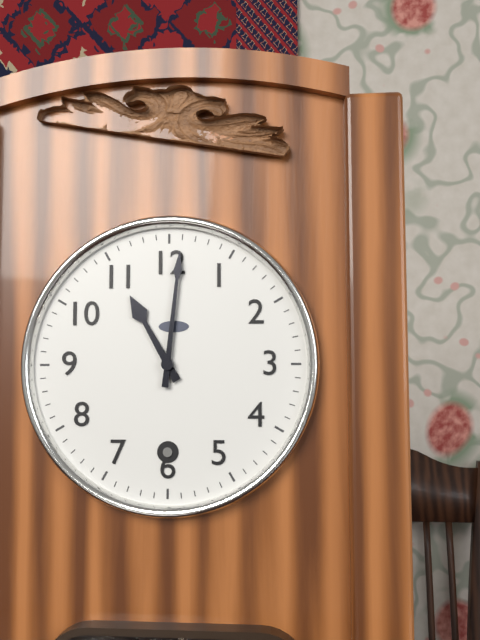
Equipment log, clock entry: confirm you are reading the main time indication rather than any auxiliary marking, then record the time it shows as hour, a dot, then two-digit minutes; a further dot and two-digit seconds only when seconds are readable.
11.01
